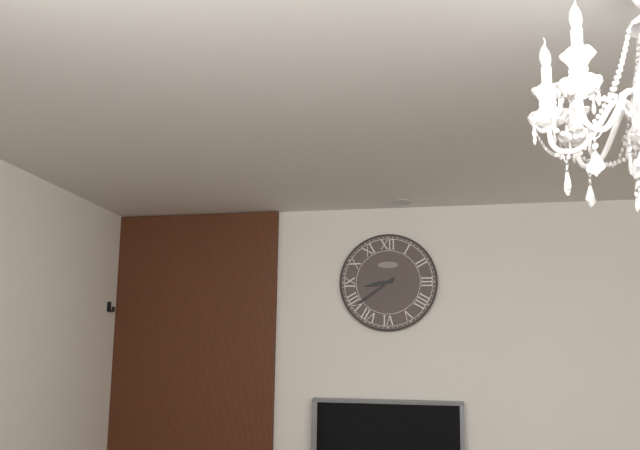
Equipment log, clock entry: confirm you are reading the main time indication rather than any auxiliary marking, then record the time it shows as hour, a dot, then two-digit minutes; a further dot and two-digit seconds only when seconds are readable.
8.39
